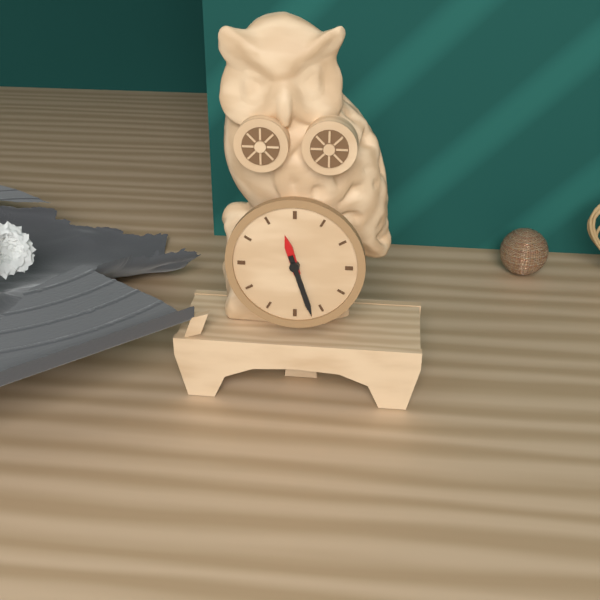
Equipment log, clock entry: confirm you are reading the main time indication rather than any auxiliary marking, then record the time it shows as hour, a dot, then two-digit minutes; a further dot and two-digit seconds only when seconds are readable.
11.27
